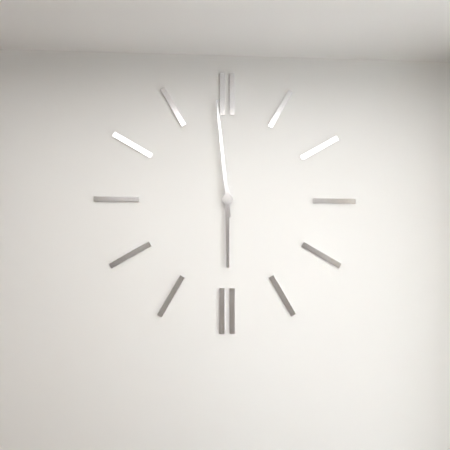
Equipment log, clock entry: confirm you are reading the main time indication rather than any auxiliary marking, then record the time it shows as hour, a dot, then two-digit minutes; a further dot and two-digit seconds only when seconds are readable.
5.59
